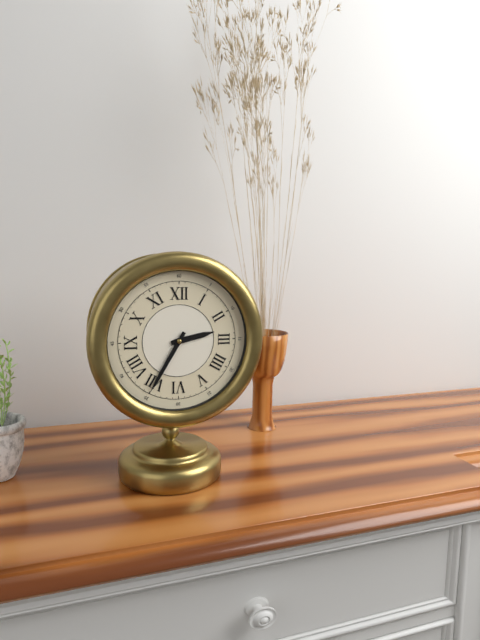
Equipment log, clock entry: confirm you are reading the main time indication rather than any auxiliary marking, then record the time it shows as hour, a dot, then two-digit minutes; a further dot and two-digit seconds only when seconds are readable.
2.35
